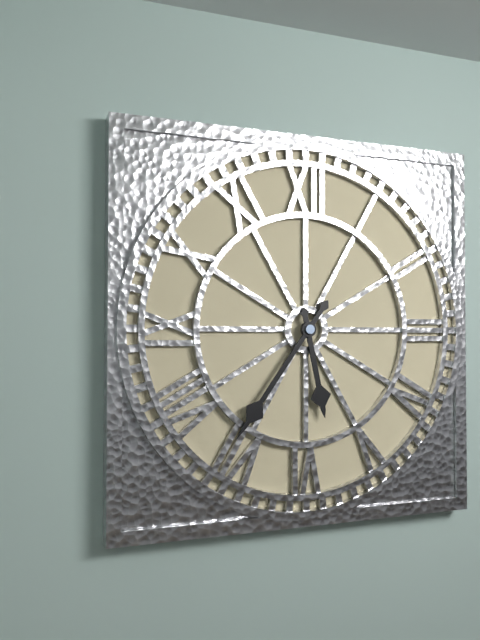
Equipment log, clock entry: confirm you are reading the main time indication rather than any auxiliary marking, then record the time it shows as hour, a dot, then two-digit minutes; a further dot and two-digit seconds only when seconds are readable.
5.36
